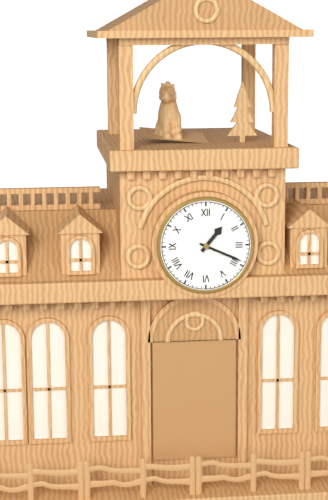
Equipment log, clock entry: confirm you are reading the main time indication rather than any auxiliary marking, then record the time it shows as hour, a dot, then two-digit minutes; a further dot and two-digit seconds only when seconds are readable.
1.19
